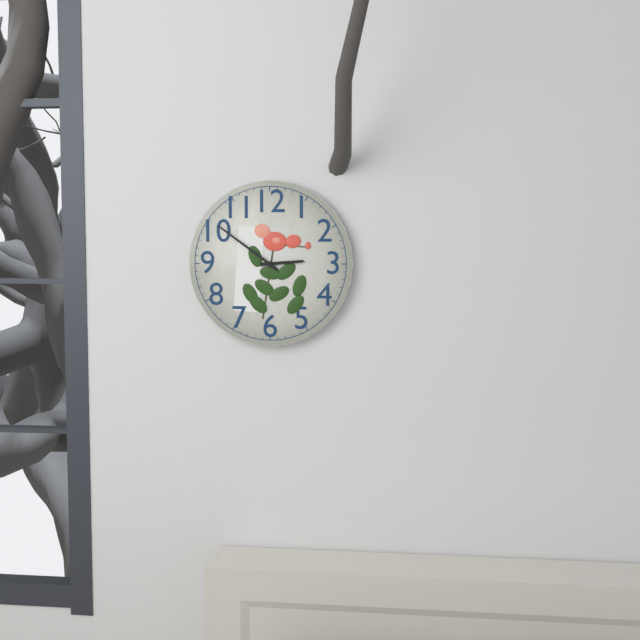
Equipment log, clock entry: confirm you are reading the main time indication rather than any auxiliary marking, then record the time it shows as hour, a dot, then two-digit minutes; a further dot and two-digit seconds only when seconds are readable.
2.51
